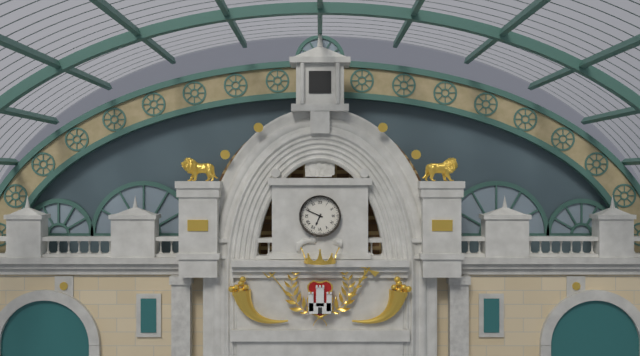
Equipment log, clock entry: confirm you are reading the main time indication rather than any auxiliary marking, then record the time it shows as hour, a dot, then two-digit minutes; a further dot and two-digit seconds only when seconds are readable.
6.49
